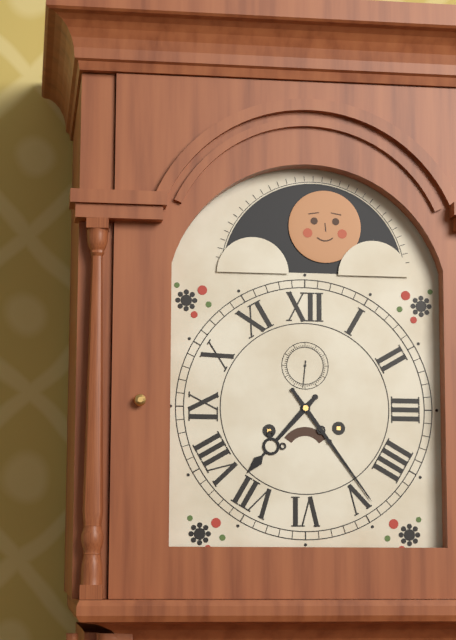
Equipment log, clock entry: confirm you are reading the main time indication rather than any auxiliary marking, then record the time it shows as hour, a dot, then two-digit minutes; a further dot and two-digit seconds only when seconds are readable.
7.24
